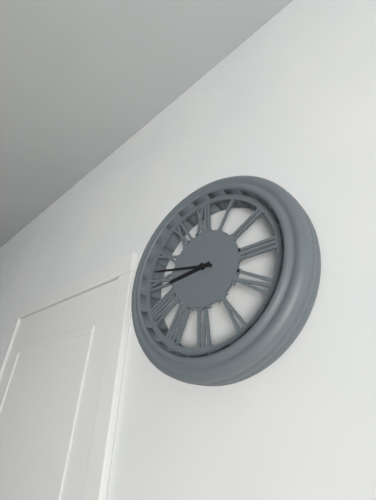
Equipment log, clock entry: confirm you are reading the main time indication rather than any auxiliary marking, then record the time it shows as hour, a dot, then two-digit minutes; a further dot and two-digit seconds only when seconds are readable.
8.47
